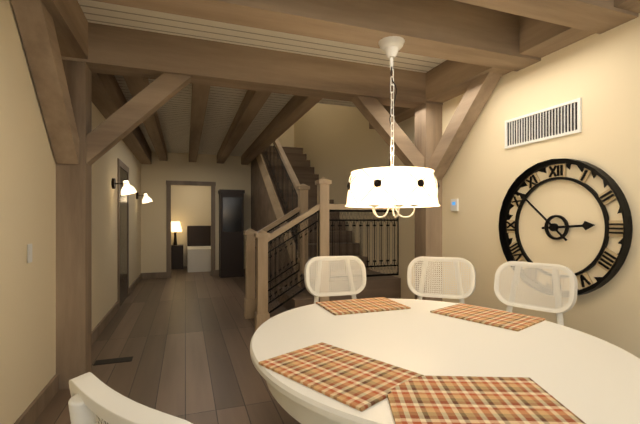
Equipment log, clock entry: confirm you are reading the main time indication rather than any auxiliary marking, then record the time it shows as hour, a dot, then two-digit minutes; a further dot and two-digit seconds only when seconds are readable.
2.52
